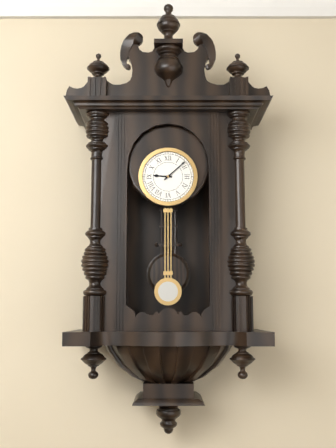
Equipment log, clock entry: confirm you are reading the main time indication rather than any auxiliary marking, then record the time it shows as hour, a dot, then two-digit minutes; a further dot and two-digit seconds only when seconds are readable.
9.08
